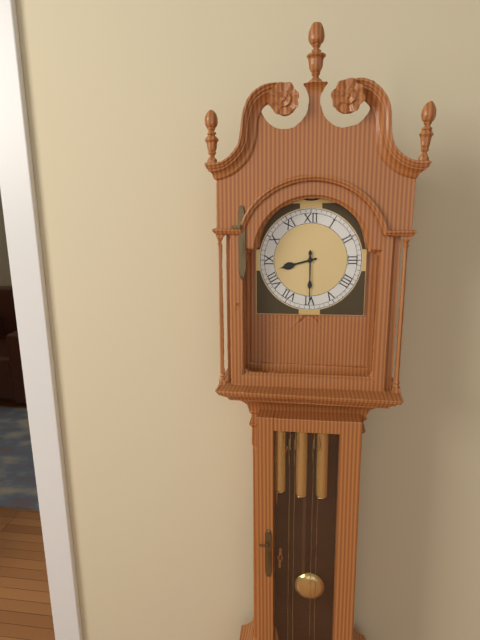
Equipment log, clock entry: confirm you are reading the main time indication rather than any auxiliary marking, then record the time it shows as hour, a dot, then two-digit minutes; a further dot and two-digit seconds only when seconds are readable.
8.30
